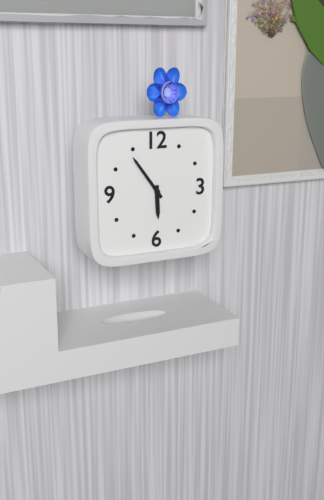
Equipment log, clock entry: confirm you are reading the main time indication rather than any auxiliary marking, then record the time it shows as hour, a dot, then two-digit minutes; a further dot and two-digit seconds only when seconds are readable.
5.54
